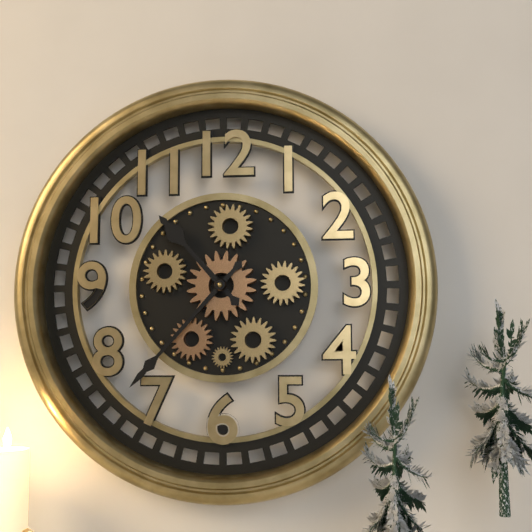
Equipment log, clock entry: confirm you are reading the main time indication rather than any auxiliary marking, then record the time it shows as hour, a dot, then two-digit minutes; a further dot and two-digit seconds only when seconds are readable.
10.37
